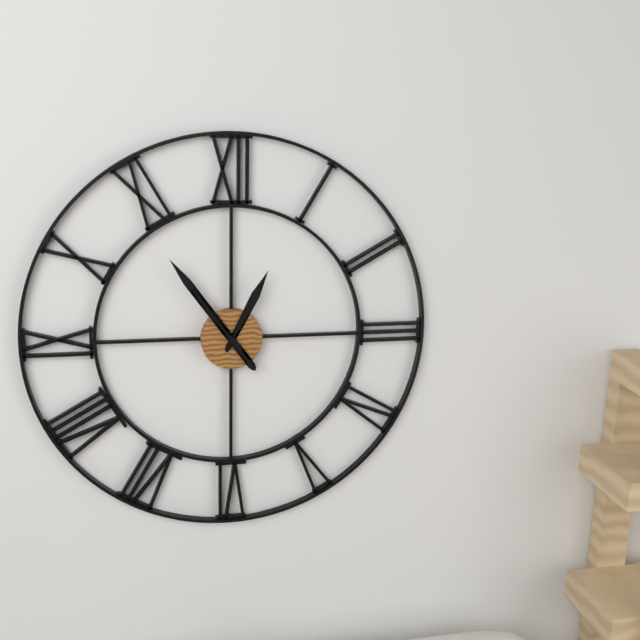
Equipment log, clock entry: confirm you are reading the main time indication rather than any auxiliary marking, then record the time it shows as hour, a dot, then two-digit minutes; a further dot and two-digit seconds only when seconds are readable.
12.54
